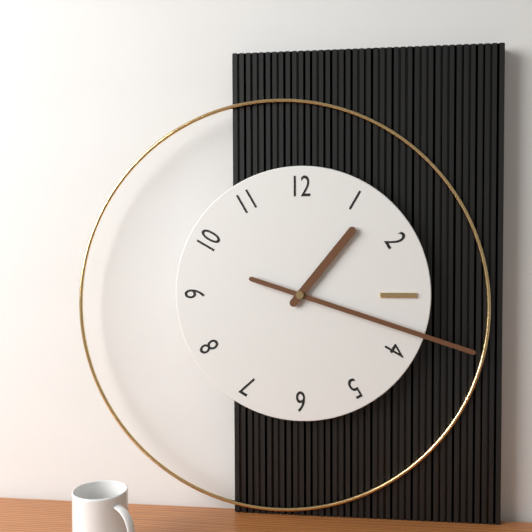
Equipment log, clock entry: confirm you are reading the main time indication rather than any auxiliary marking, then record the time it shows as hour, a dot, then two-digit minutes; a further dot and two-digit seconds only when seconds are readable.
1.18
